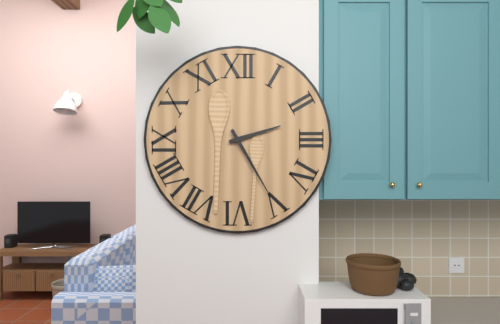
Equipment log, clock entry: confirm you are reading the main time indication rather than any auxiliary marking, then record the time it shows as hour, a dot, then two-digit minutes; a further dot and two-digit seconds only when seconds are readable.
2.25
